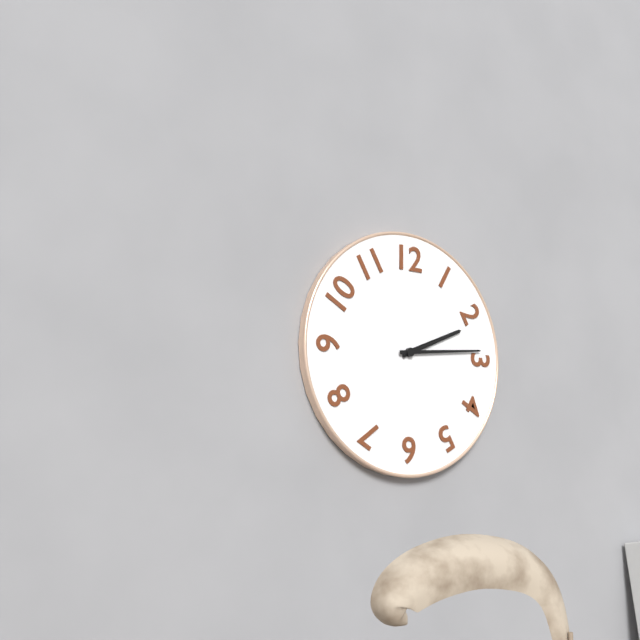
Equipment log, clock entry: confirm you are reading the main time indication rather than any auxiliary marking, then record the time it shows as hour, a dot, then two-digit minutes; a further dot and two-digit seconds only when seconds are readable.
2.14
